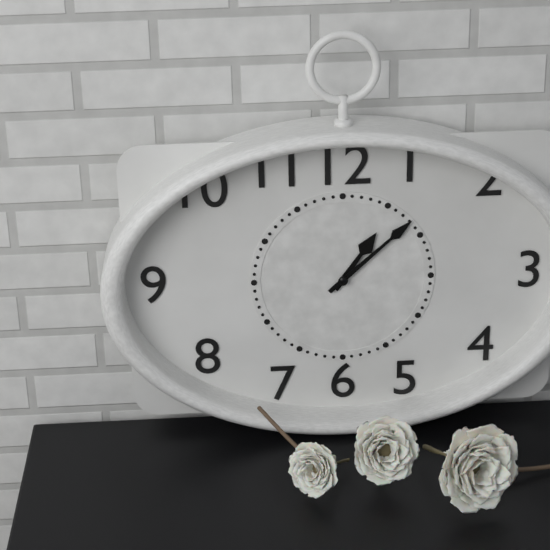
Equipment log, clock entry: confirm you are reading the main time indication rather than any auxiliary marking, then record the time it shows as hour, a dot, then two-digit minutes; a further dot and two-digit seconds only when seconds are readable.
1.08
